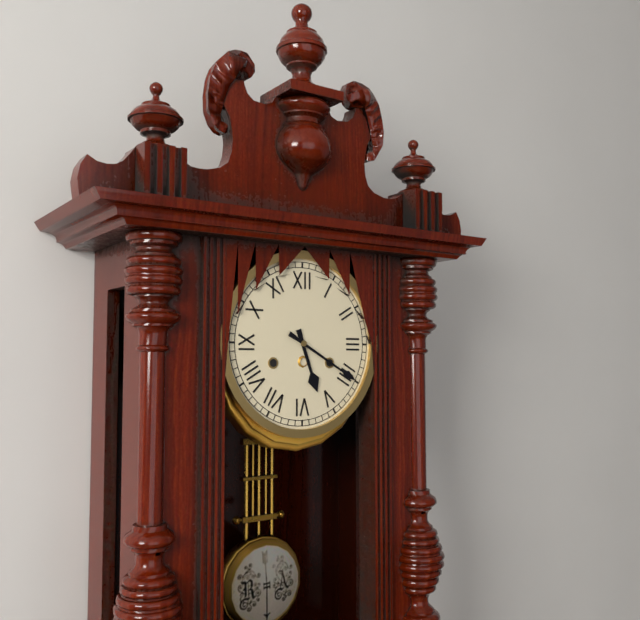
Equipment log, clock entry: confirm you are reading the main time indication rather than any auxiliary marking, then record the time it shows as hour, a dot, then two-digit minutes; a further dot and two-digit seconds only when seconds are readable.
5.20
